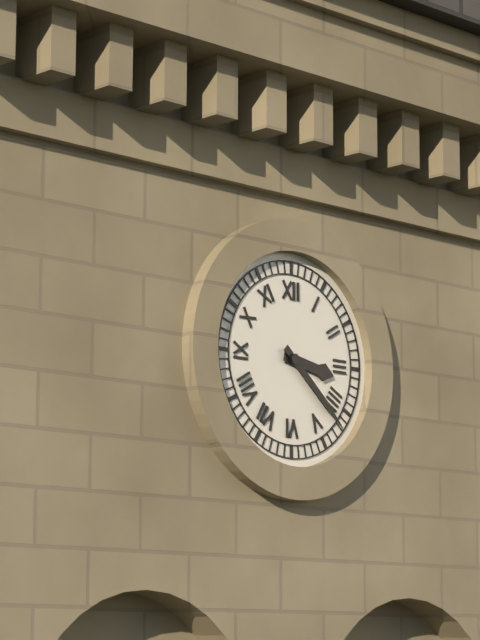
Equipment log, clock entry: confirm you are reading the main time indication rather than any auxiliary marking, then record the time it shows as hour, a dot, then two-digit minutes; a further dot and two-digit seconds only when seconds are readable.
3.22
